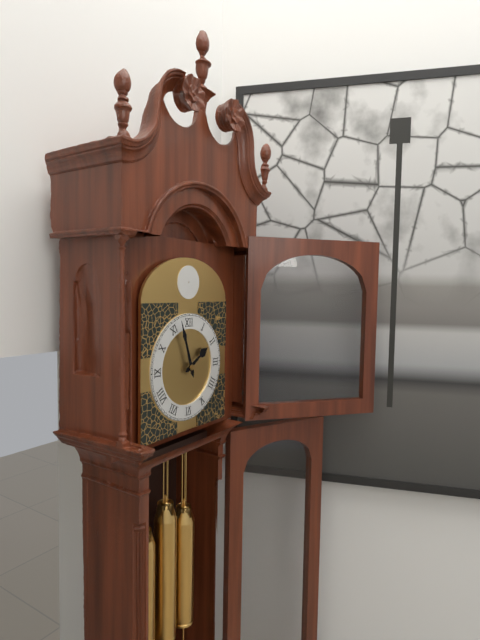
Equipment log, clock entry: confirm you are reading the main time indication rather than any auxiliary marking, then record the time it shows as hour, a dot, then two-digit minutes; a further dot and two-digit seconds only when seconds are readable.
1.57
